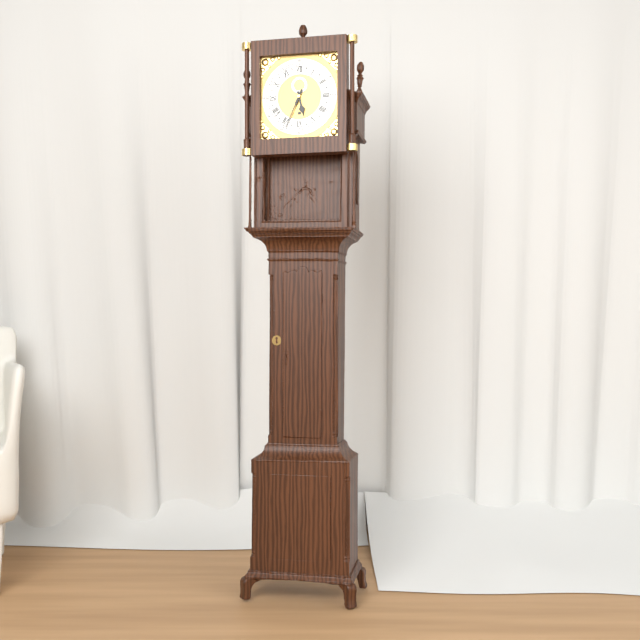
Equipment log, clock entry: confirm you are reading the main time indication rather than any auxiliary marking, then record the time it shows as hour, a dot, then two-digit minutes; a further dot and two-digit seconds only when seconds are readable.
5.34
